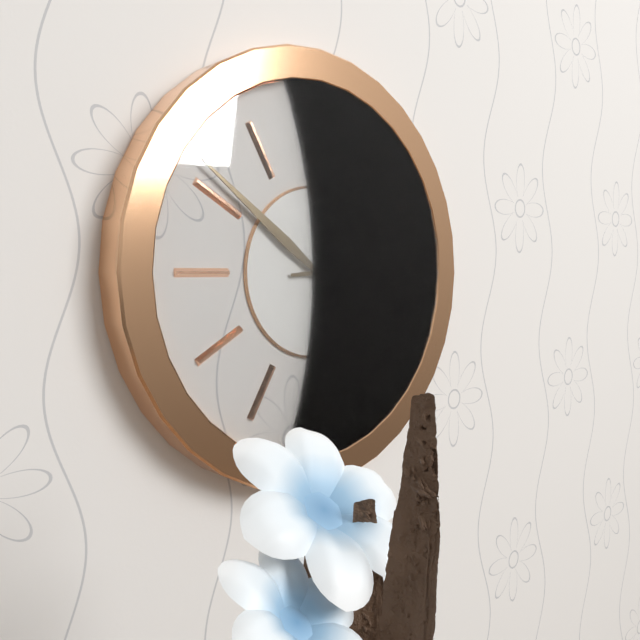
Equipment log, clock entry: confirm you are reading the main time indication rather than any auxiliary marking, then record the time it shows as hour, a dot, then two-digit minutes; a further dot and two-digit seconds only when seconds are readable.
2.51
